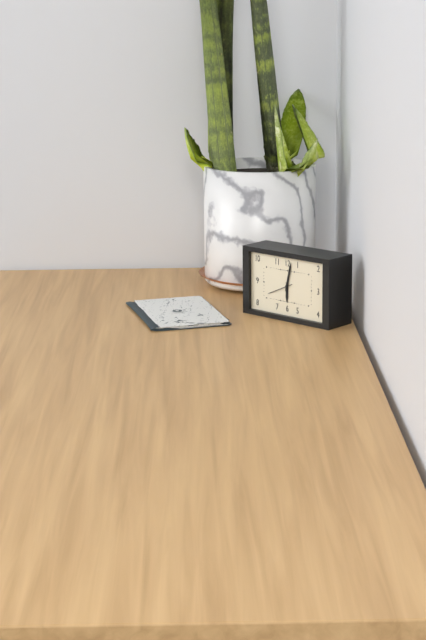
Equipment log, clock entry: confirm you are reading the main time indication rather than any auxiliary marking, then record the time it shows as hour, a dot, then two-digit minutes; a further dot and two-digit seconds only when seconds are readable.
6.02
